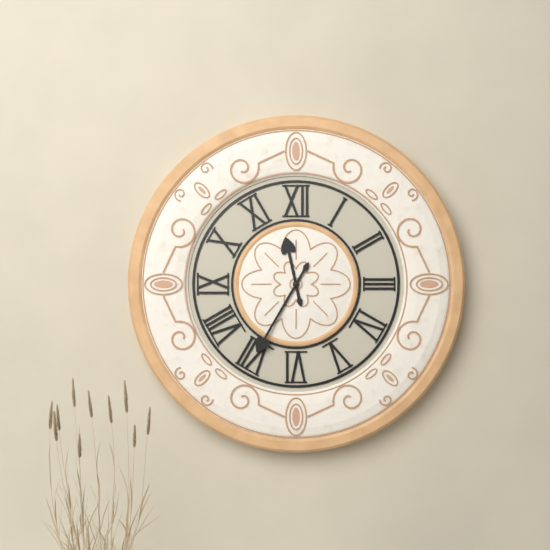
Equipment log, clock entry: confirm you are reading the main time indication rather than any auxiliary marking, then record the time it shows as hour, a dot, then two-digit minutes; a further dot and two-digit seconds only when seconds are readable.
11.35
